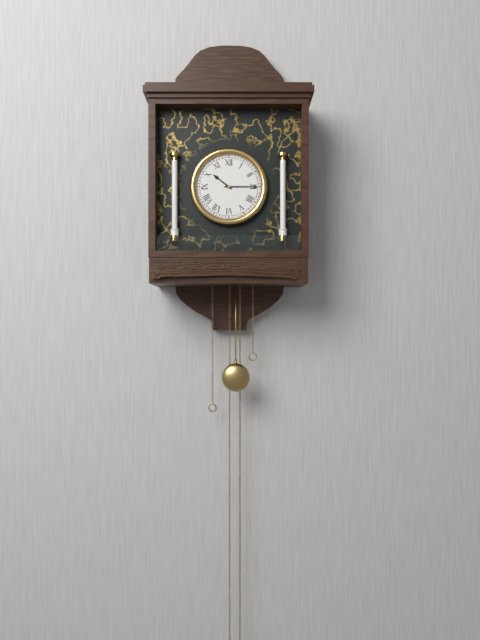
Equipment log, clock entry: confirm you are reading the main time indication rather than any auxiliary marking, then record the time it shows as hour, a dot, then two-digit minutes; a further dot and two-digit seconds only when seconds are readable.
10.15
